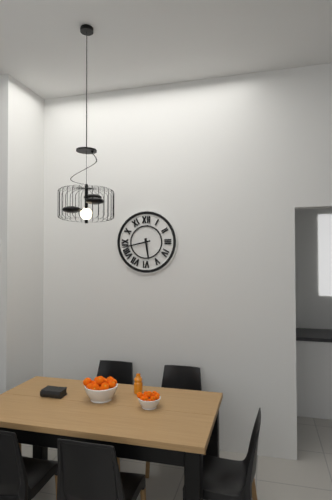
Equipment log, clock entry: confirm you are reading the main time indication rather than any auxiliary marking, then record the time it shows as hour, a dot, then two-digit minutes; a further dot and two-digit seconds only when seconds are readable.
5.43
